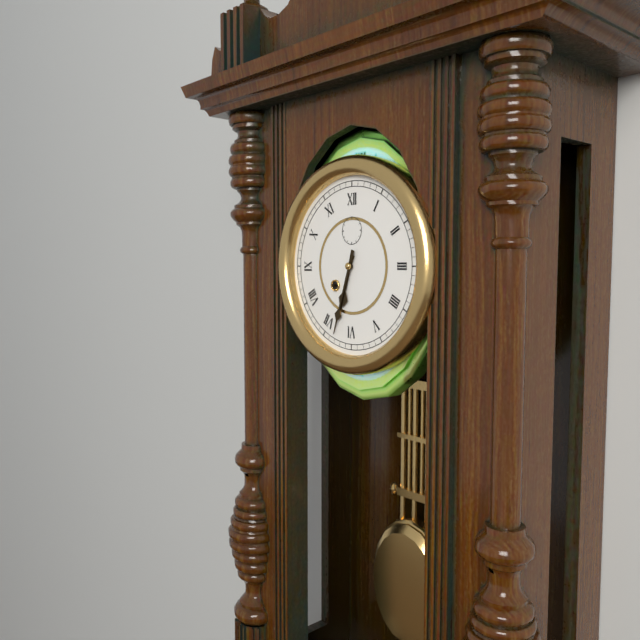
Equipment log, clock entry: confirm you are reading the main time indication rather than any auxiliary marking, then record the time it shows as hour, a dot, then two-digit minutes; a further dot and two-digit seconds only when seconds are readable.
6.33
